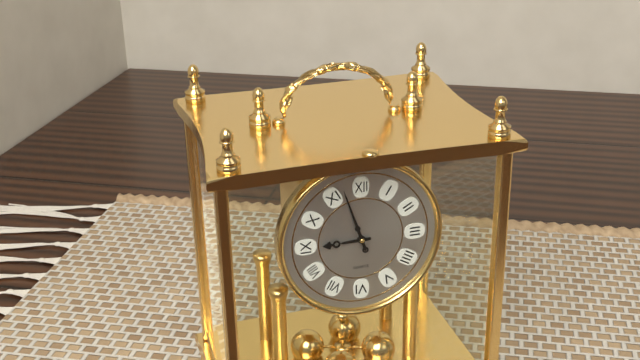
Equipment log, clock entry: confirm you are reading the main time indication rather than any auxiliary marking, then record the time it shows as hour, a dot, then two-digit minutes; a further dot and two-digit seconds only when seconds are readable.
8.57
